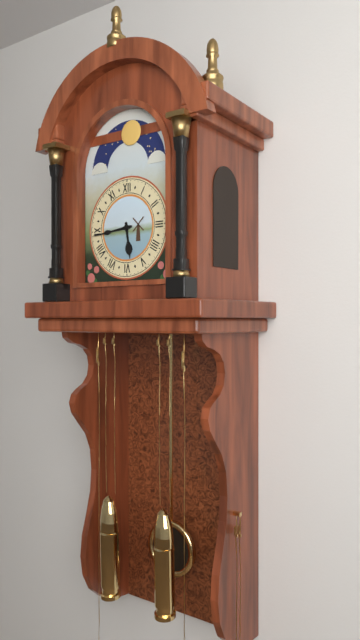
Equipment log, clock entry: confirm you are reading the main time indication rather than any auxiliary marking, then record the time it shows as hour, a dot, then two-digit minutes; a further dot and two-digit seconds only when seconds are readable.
5.44
